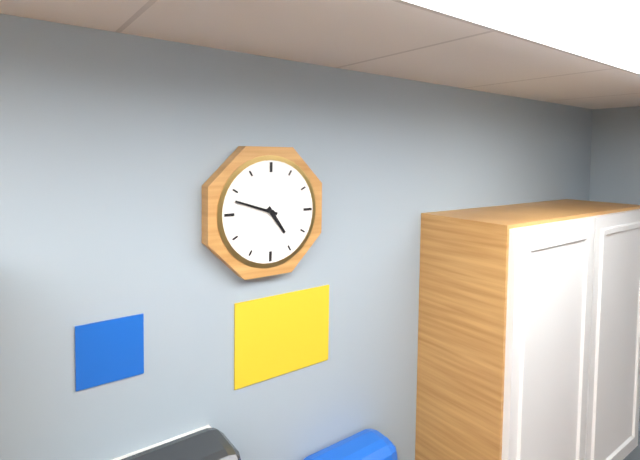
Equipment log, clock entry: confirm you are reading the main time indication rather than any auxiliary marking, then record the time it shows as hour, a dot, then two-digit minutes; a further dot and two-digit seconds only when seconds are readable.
4.48
